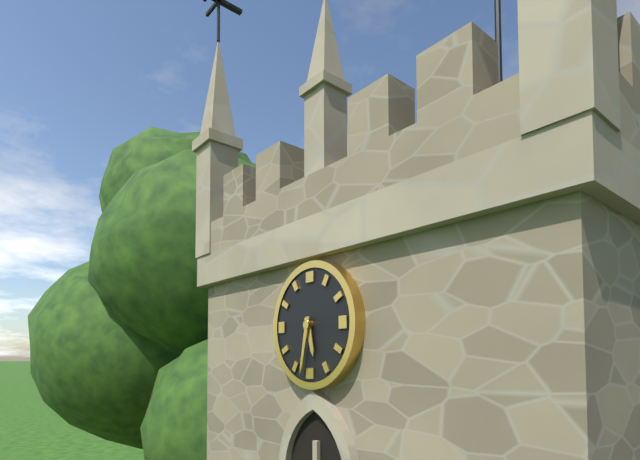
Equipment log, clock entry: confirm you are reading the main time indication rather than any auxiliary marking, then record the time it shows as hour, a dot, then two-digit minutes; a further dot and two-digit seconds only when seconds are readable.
5.32
